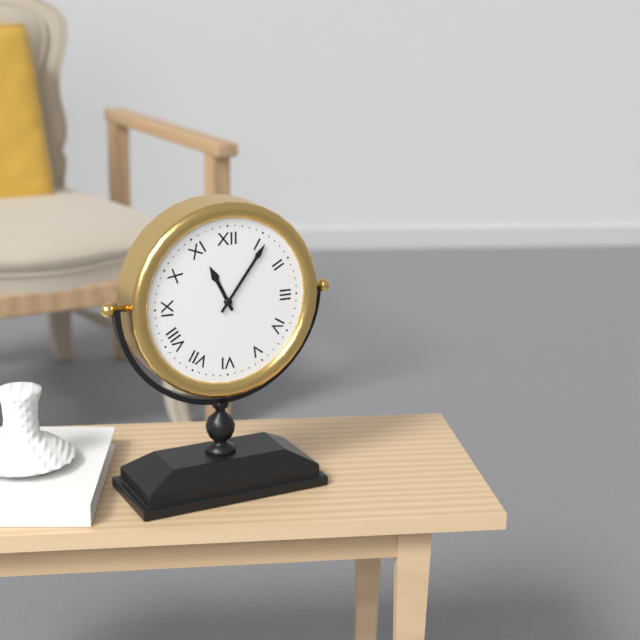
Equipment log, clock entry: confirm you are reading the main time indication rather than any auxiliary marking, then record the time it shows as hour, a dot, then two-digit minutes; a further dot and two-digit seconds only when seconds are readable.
11.06
